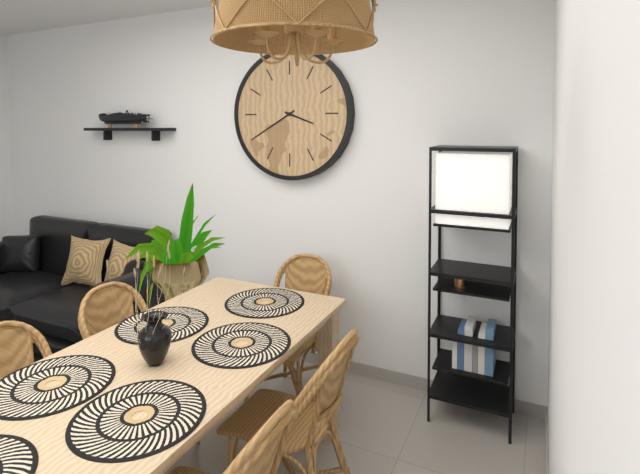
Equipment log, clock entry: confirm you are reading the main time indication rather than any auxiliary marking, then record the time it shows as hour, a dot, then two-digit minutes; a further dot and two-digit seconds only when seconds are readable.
3.40
